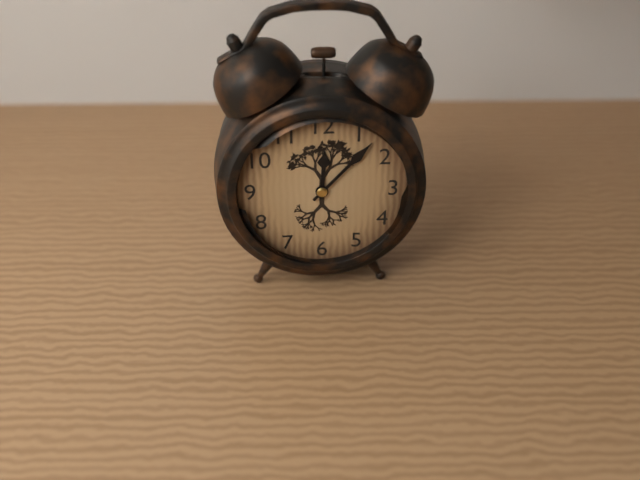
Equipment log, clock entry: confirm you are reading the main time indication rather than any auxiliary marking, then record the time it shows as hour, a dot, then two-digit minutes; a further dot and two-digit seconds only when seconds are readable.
12.07
